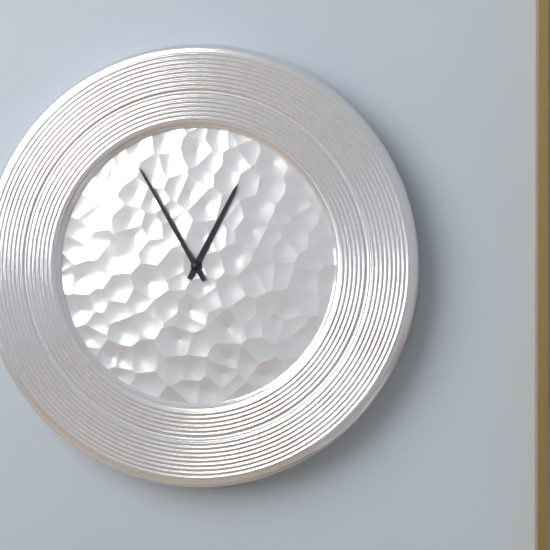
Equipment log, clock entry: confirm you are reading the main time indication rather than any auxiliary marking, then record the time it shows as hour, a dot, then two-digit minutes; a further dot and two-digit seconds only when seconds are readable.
12.55
